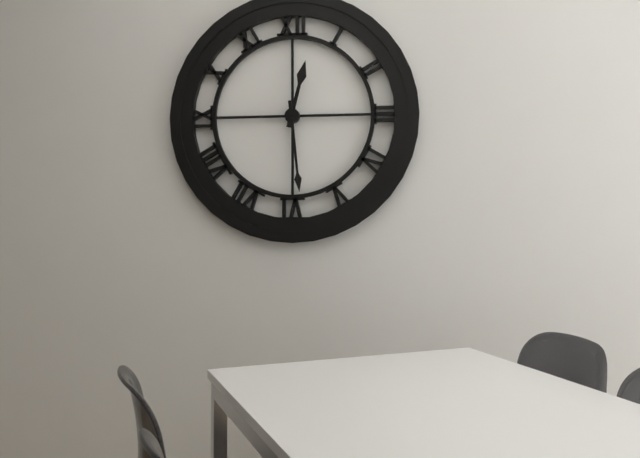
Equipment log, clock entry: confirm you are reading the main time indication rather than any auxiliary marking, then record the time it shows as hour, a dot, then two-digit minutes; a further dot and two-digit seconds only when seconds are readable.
12.29
